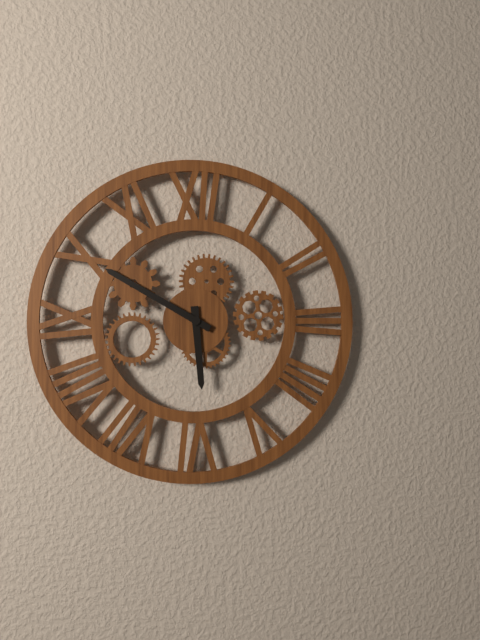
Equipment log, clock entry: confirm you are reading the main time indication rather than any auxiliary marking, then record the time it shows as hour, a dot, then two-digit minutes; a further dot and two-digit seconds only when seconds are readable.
5.50
